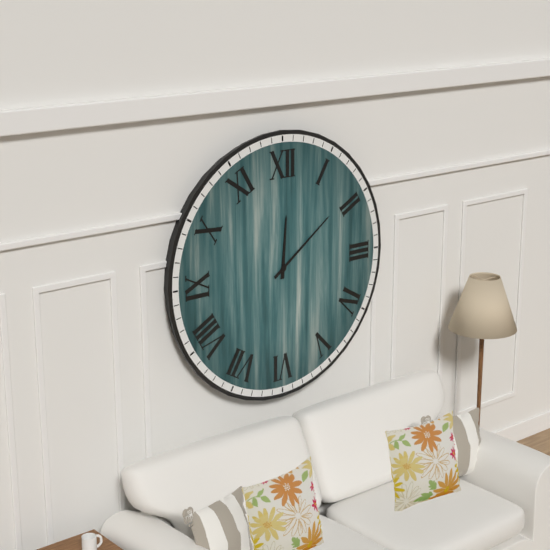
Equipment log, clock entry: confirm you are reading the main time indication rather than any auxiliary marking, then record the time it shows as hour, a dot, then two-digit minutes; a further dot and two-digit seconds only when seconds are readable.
12.09
